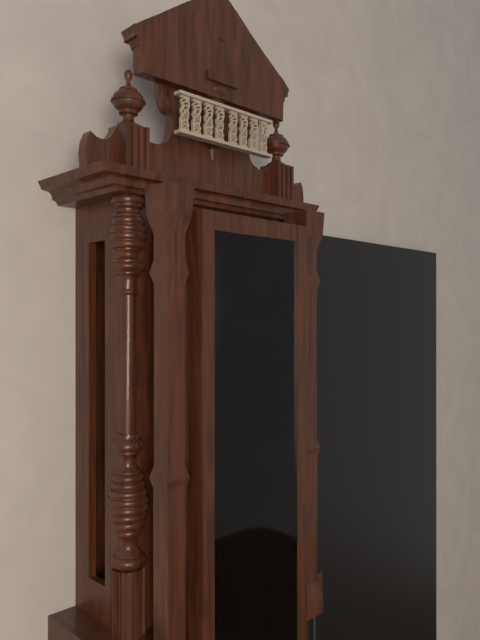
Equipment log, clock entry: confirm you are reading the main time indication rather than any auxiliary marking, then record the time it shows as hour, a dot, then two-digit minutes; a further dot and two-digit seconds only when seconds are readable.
12.11
